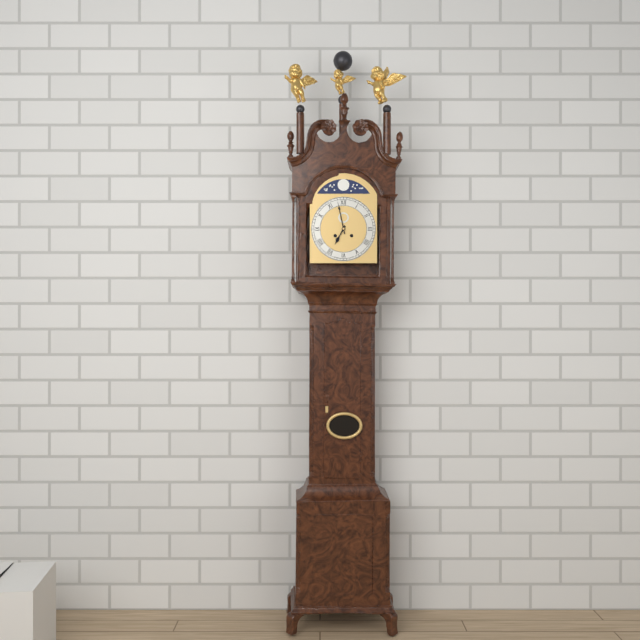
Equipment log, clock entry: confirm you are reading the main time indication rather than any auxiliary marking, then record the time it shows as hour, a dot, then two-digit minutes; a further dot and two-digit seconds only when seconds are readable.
6.58
